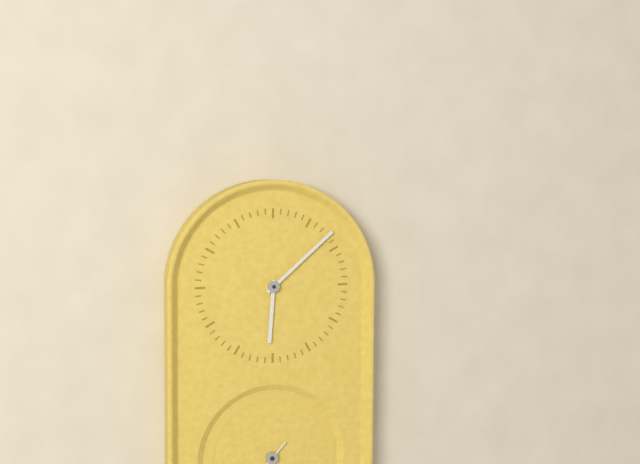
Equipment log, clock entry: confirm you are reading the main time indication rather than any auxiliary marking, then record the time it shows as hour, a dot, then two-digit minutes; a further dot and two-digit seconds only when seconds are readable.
6.08
